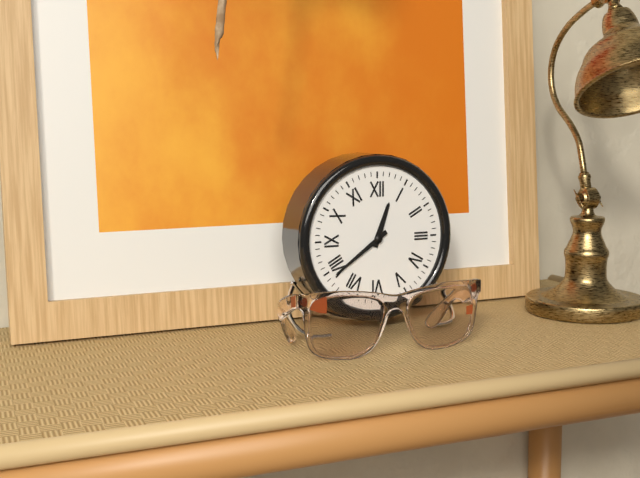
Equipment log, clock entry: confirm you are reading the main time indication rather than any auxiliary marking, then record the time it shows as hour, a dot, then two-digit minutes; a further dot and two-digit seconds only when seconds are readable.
12.39
